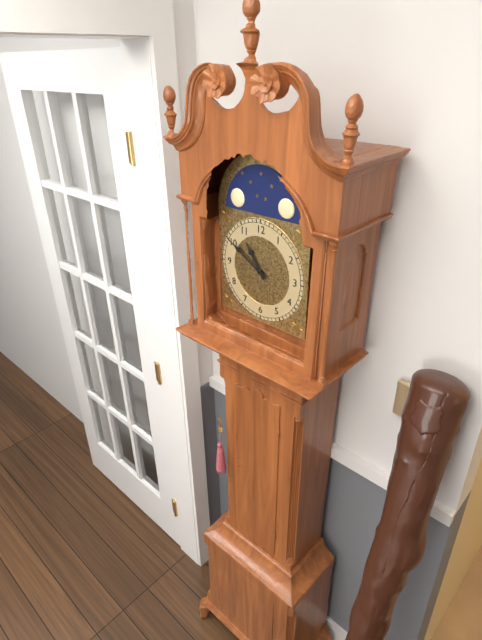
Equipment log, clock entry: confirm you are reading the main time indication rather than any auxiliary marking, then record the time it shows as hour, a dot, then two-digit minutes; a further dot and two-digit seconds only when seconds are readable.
10.50
